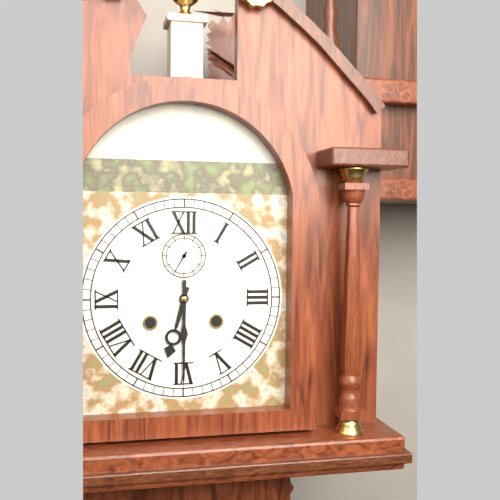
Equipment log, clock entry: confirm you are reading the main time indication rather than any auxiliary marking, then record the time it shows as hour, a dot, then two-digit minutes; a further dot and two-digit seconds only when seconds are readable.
6.30
